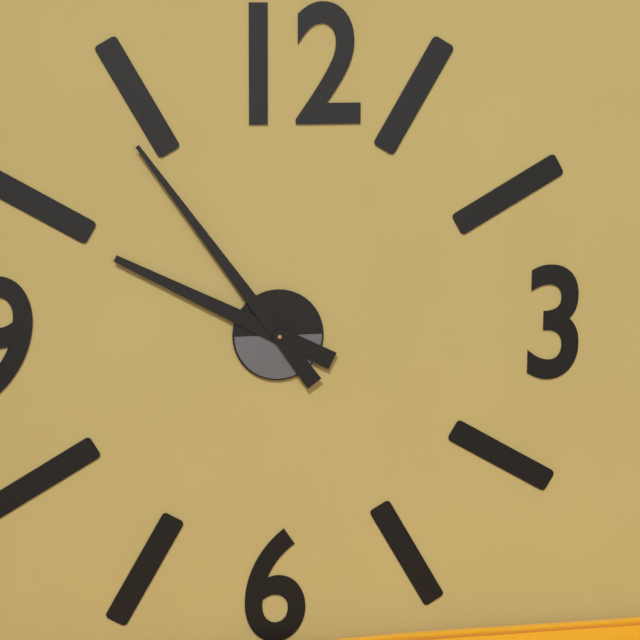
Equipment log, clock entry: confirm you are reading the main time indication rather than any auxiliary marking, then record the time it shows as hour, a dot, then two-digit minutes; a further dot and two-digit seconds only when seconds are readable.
9.54
